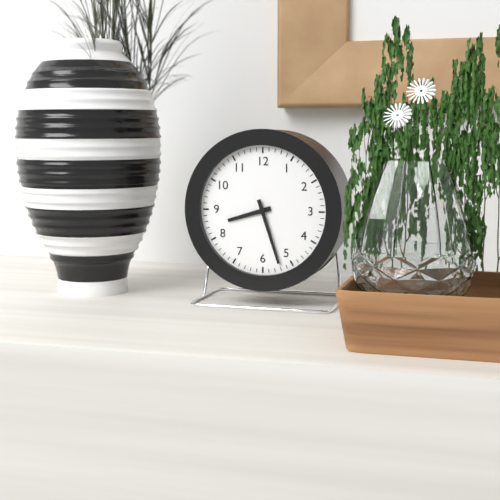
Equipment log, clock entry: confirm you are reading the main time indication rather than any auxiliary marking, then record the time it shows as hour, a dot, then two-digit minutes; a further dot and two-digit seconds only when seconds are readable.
8.27
